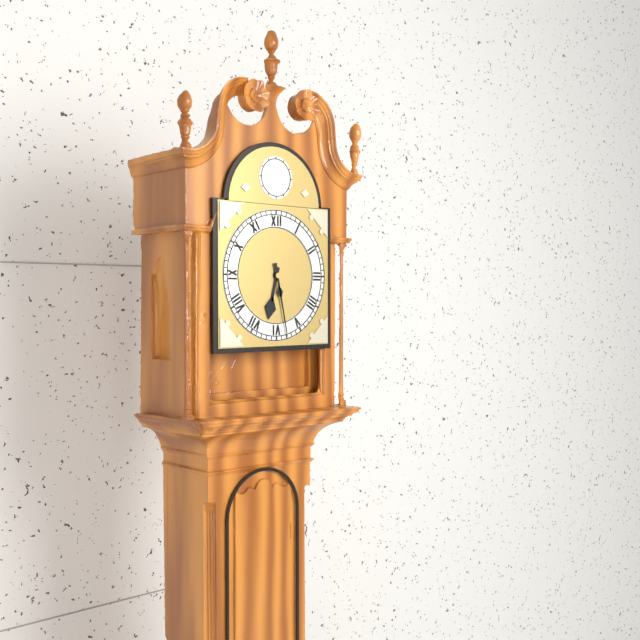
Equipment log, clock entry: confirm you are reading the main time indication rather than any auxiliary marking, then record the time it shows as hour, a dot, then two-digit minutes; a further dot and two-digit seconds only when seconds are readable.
6.28
